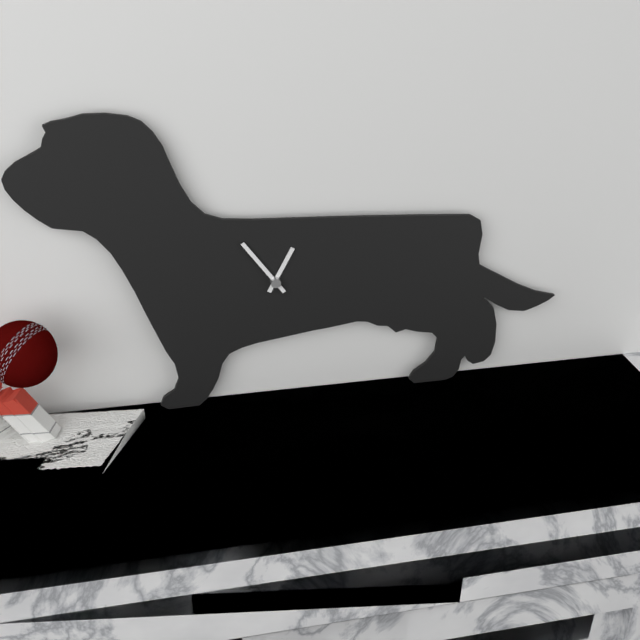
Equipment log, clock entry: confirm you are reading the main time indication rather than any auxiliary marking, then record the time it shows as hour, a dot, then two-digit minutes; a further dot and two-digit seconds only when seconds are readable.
12.54
